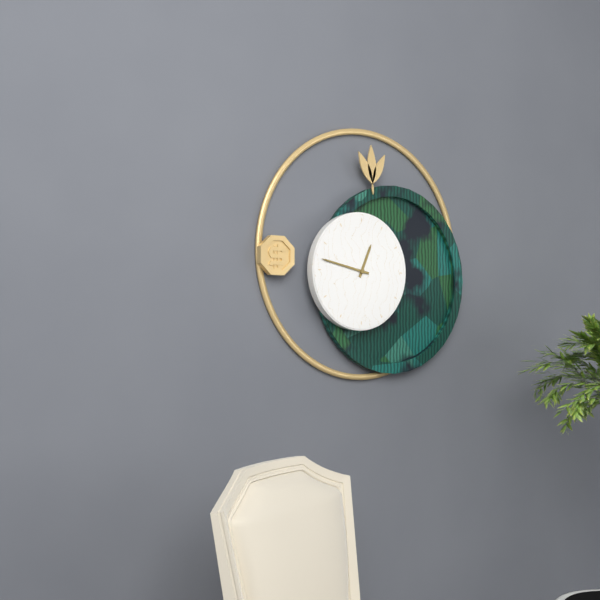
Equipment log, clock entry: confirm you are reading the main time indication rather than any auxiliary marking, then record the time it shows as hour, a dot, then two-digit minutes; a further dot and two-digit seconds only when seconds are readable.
12.47
